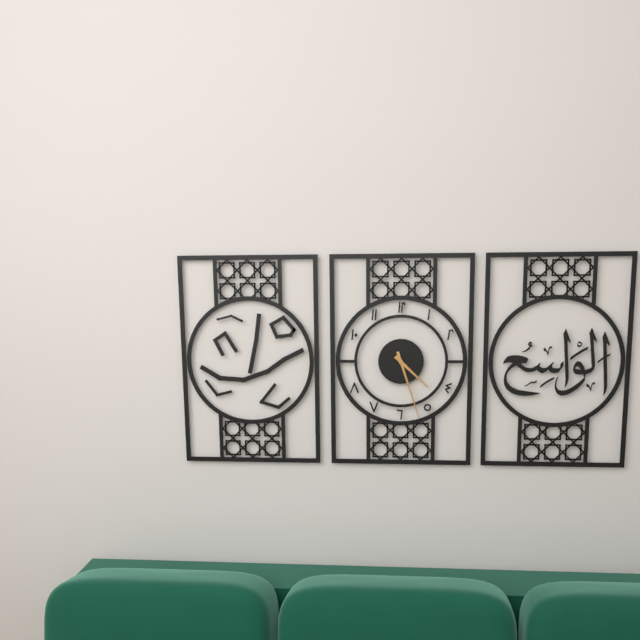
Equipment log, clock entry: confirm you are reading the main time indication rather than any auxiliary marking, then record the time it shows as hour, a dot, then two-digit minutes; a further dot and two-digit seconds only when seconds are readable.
4.27
